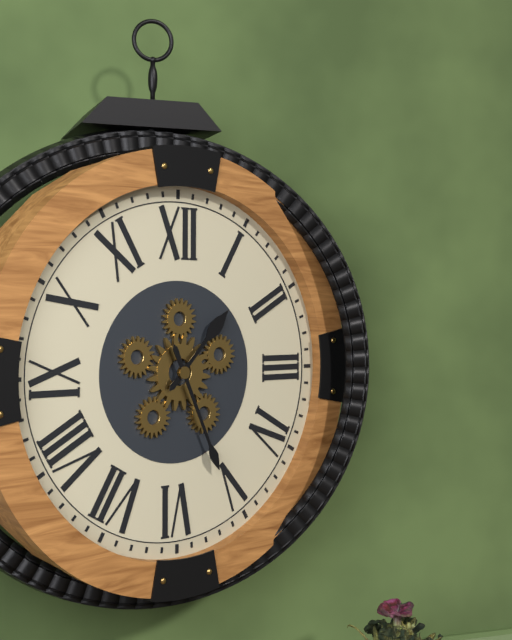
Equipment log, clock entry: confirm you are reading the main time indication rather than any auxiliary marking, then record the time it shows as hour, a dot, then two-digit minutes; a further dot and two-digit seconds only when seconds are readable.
1.26
